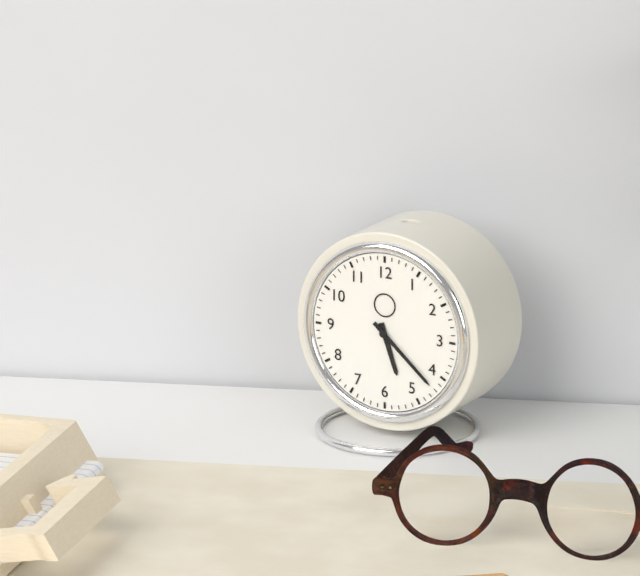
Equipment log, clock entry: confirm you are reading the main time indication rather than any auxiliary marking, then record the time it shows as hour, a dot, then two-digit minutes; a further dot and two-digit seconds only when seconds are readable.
5.22
